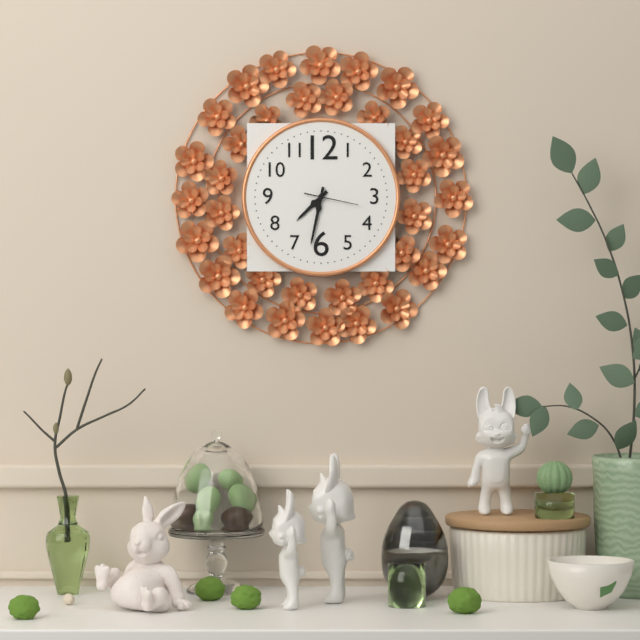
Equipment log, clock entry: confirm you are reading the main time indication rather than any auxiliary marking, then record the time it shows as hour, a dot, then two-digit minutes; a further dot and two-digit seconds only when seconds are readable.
7.32
